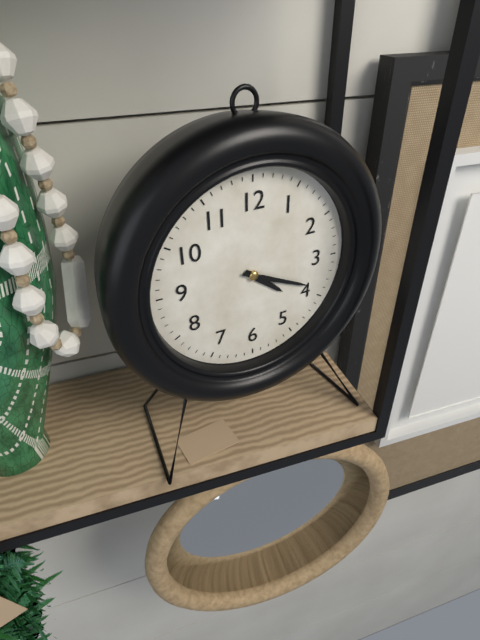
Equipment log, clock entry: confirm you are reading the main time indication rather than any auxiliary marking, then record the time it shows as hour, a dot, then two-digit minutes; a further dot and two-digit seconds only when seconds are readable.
4.19
